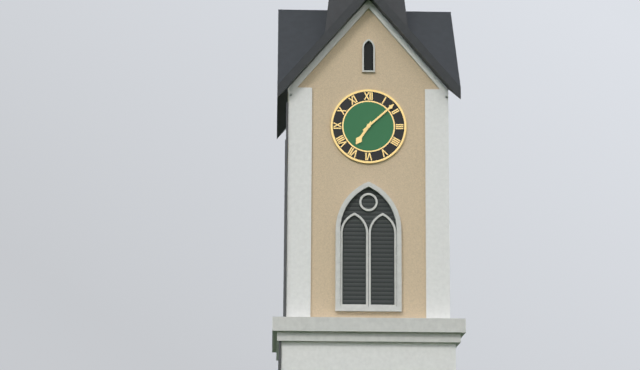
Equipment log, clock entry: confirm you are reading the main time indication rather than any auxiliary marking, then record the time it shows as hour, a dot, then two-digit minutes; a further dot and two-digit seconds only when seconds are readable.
7.08
